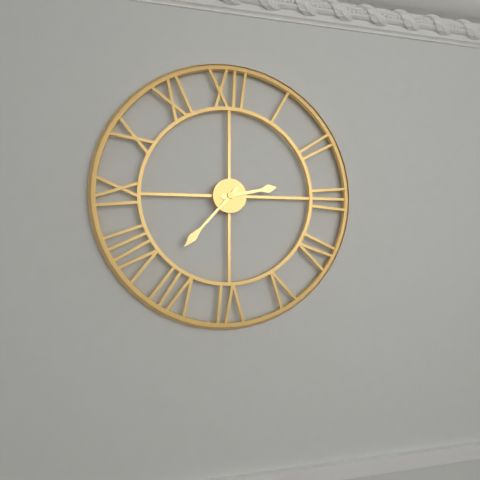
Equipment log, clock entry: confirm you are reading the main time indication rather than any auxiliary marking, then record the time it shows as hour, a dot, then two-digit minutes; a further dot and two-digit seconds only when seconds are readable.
2.37
